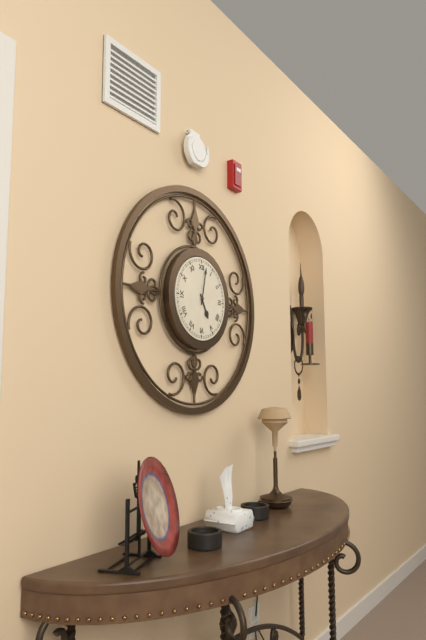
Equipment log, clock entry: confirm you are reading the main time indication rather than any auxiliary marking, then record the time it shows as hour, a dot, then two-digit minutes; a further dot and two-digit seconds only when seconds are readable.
5.02
